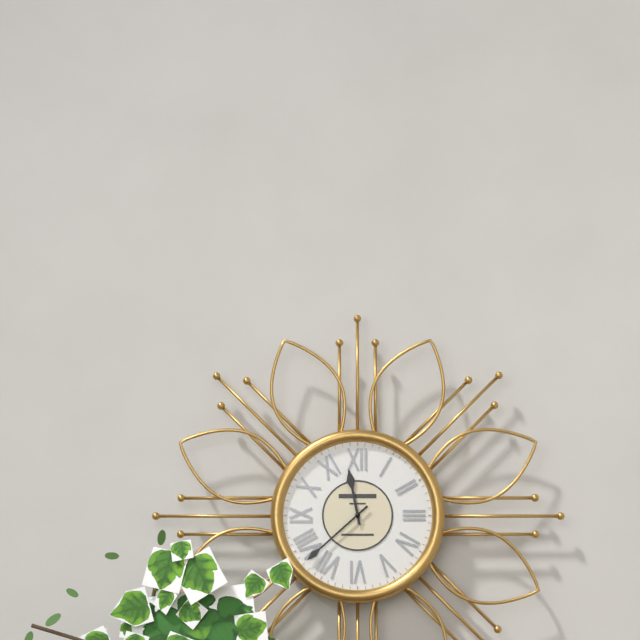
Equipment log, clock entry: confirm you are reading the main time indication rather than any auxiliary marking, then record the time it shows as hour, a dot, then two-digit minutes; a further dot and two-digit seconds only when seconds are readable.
11.38
